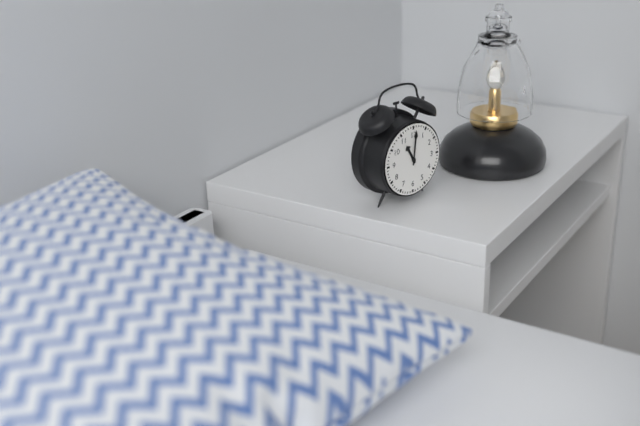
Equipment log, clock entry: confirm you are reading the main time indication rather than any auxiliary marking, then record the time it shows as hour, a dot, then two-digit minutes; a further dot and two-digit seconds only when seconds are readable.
11.01
